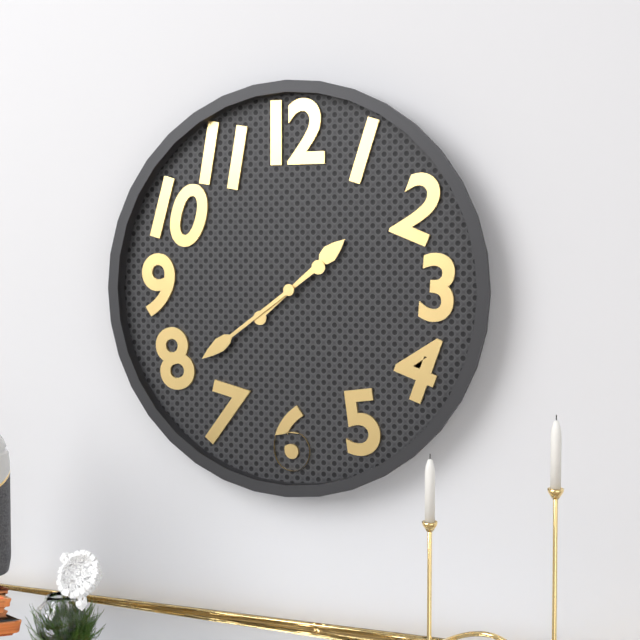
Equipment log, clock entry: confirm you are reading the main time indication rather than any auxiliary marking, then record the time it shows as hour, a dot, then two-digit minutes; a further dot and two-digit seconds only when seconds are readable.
1.39
